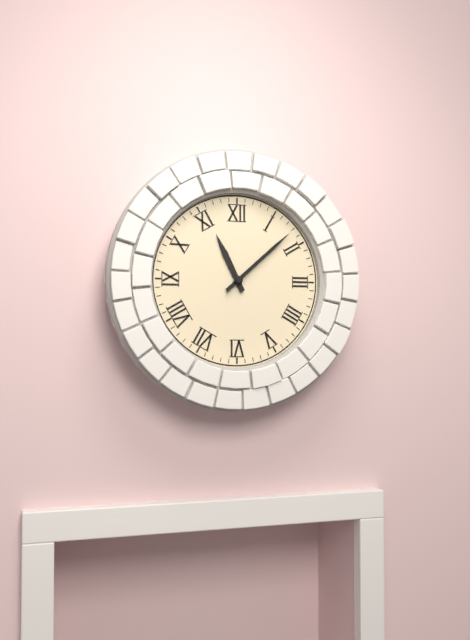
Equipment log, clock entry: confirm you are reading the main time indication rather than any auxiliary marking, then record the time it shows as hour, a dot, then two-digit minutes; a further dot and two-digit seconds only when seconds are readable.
11.08
